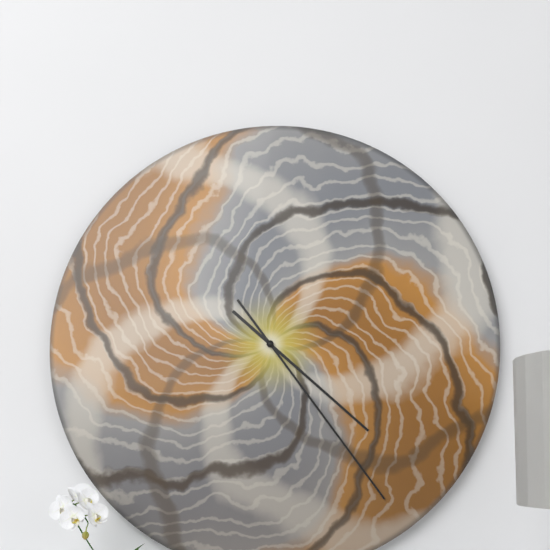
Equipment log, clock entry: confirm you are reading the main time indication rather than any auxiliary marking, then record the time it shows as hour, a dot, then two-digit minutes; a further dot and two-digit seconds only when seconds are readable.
4.24
